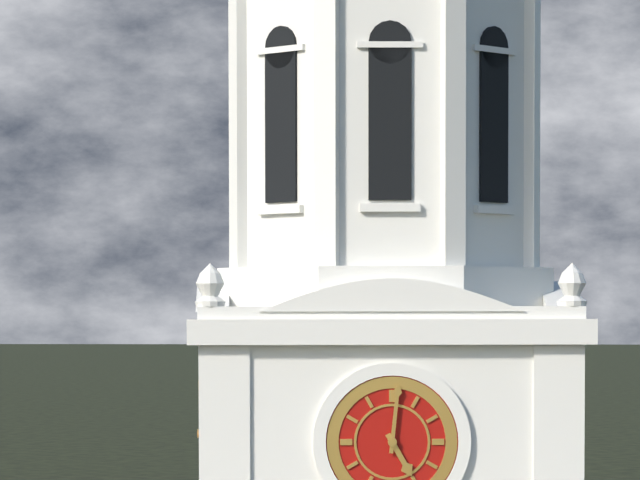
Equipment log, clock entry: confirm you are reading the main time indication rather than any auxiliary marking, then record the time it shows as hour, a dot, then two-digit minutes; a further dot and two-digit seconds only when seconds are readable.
5.01
